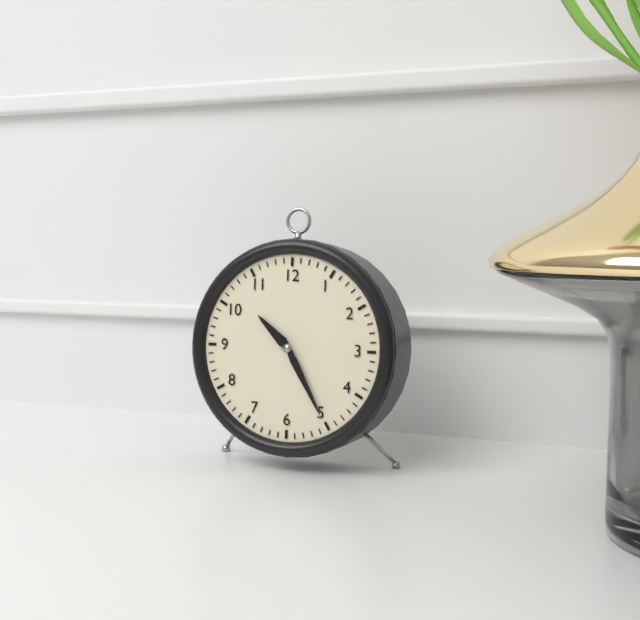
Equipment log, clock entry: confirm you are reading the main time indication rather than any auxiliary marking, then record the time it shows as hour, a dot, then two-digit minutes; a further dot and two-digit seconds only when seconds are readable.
10.25
